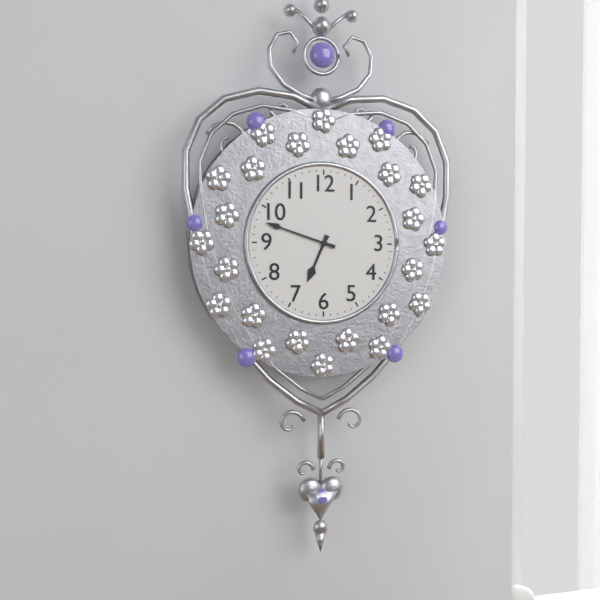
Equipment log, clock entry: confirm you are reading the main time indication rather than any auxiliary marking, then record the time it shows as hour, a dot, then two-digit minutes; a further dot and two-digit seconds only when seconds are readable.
6.48
